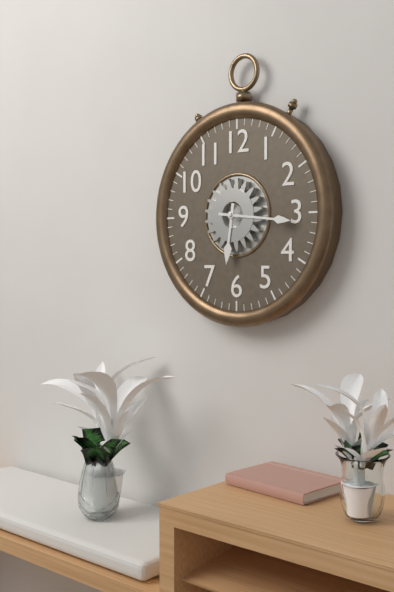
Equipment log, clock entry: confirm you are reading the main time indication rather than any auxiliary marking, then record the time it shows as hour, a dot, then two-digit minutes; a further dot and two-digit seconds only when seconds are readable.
6.16
